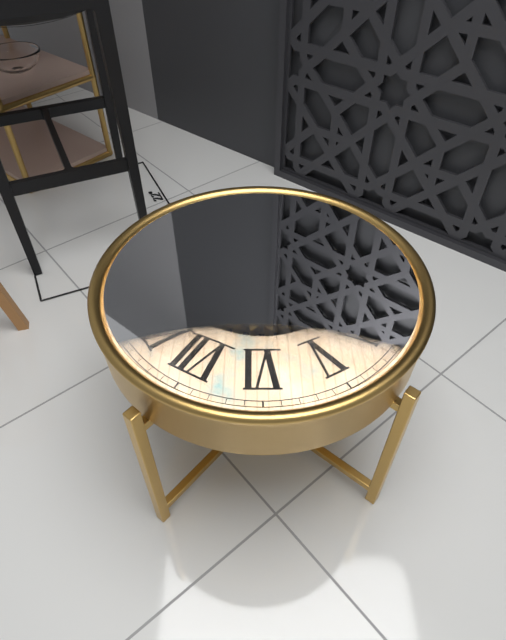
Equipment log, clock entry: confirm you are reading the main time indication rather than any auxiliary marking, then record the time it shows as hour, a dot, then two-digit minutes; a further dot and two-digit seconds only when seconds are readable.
1.54
